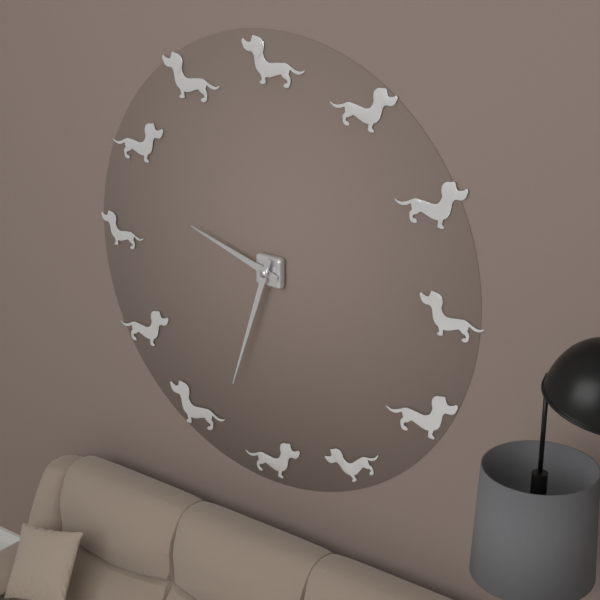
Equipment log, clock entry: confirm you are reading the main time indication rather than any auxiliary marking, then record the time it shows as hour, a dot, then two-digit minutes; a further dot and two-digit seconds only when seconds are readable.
9.33
